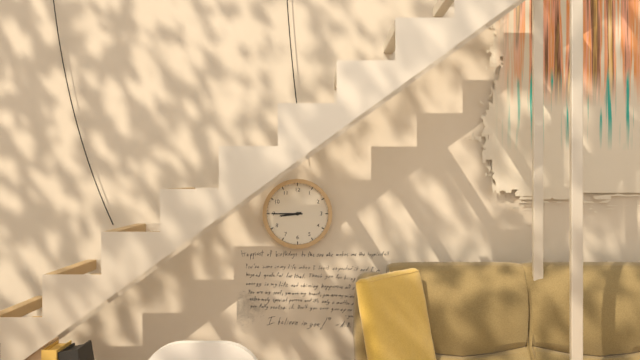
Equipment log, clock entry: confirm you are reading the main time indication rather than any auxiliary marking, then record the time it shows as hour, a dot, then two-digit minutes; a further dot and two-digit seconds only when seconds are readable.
8.45
